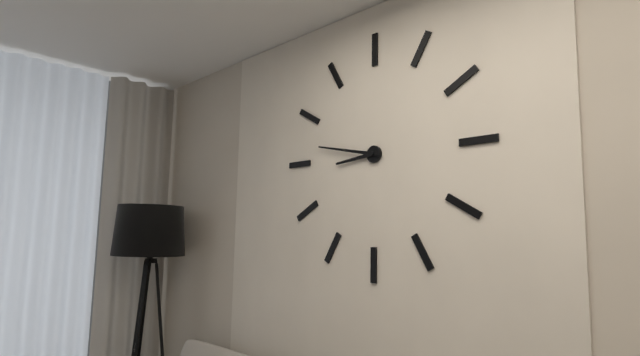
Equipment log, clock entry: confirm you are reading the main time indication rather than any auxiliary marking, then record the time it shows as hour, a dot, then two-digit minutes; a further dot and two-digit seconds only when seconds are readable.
8.47
